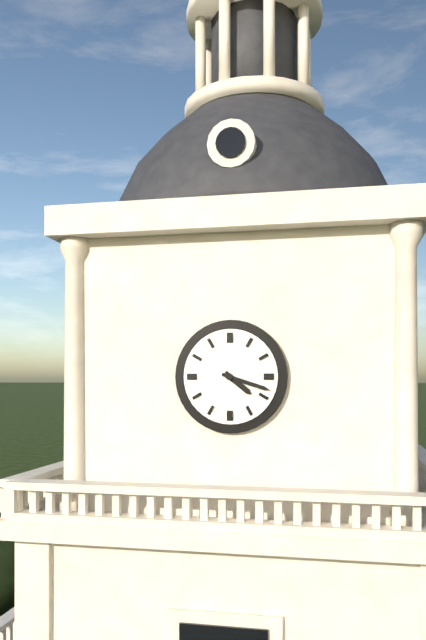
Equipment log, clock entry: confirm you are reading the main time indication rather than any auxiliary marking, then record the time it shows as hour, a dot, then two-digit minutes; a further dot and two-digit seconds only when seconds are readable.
4.18
